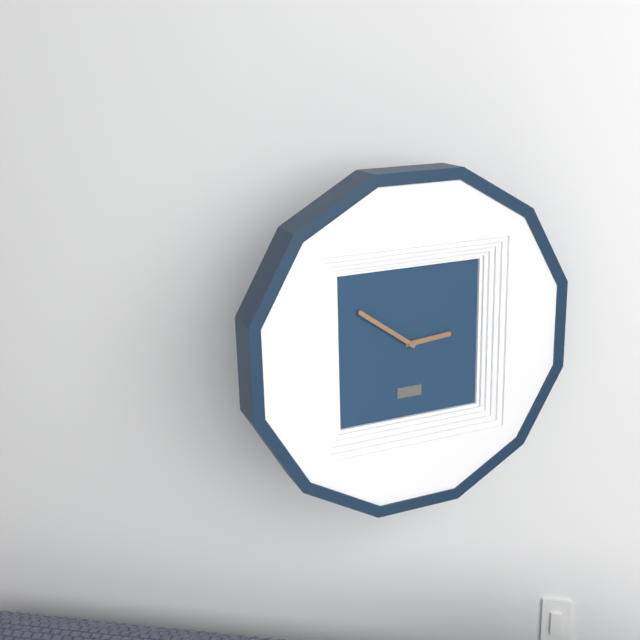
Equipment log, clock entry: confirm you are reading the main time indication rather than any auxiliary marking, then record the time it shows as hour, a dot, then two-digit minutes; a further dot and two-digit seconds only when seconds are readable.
2.51
